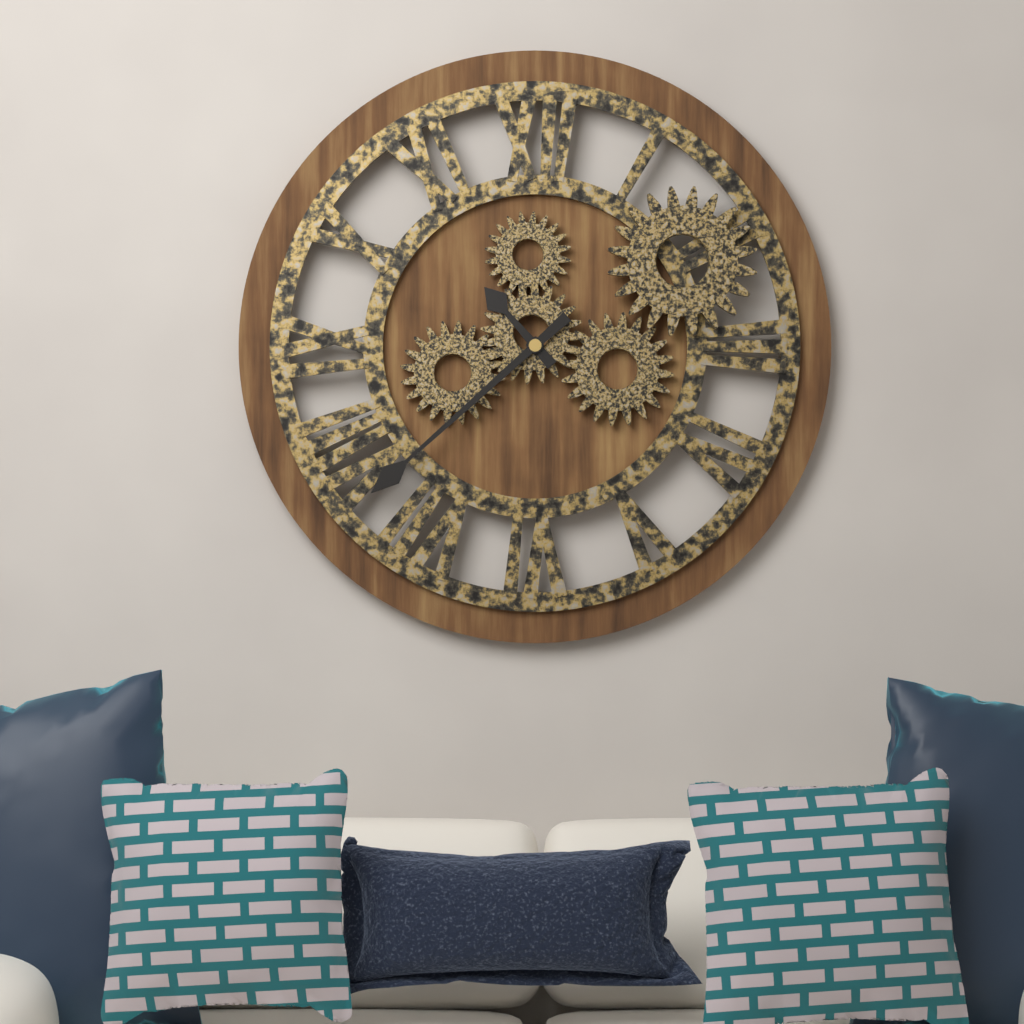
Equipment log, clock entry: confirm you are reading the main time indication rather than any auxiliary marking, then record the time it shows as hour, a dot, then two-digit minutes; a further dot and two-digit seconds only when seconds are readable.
10.38
